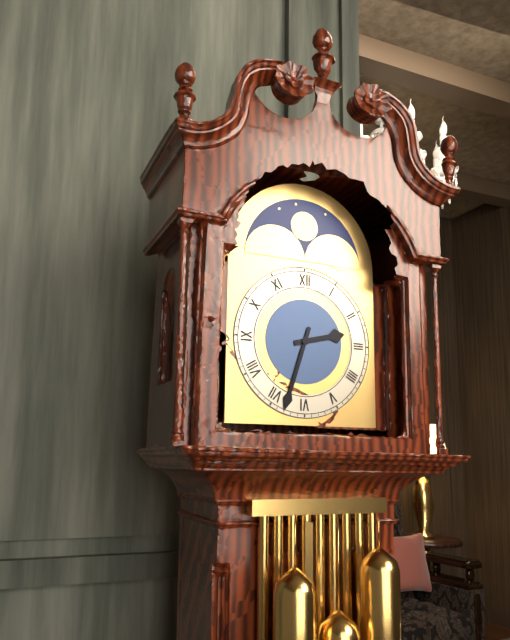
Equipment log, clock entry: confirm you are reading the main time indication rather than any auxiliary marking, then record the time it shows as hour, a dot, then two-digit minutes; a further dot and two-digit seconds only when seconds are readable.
2.33
